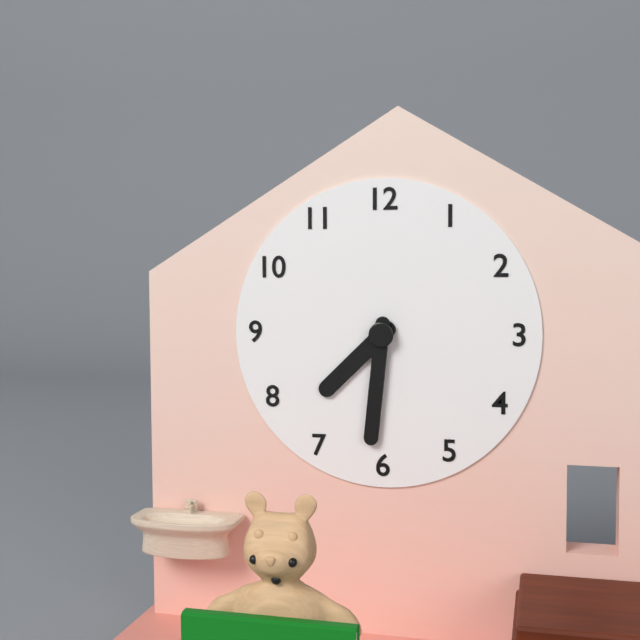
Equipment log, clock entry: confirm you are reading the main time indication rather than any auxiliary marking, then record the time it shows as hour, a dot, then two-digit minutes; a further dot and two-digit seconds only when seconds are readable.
7.31
